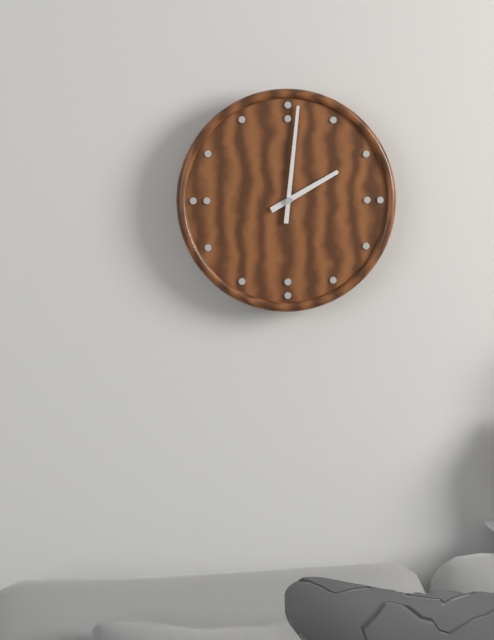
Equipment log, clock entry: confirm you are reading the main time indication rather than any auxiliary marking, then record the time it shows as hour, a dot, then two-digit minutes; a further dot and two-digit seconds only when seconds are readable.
2.01
